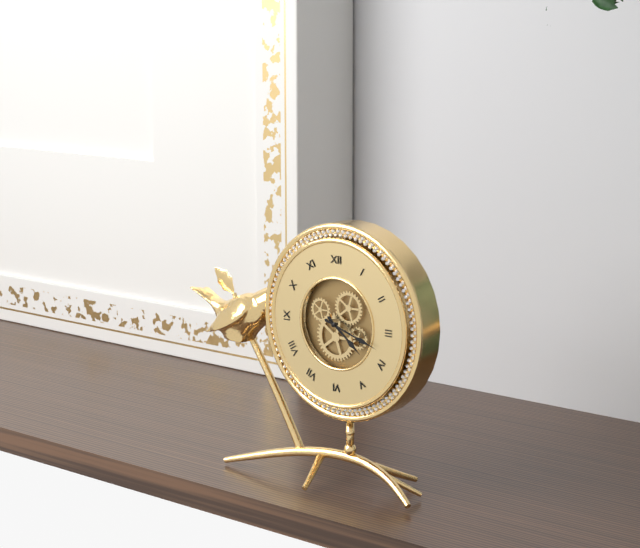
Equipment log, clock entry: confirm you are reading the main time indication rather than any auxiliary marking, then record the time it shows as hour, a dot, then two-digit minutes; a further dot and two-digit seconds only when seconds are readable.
4.18
